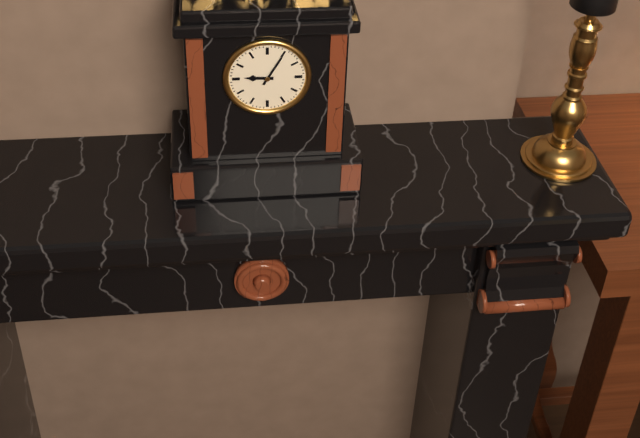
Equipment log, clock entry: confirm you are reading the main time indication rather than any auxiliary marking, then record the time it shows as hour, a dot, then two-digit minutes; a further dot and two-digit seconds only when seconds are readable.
9.05
